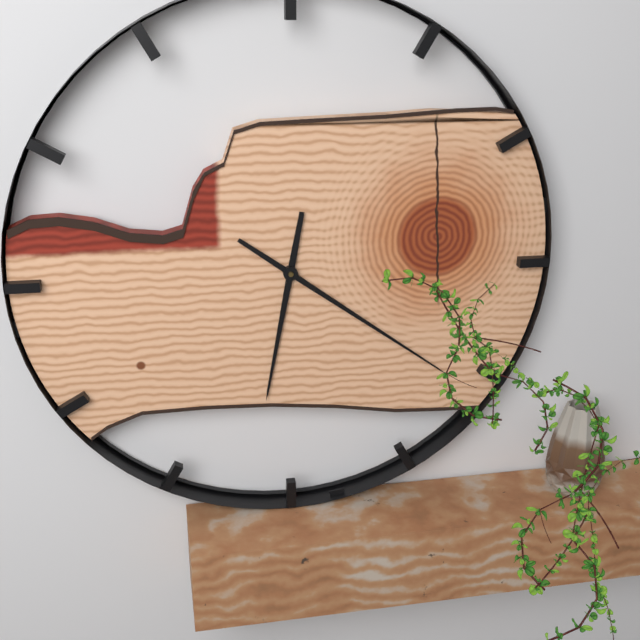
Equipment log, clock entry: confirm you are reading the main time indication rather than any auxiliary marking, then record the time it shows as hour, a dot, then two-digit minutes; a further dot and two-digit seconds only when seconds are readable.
6.21
